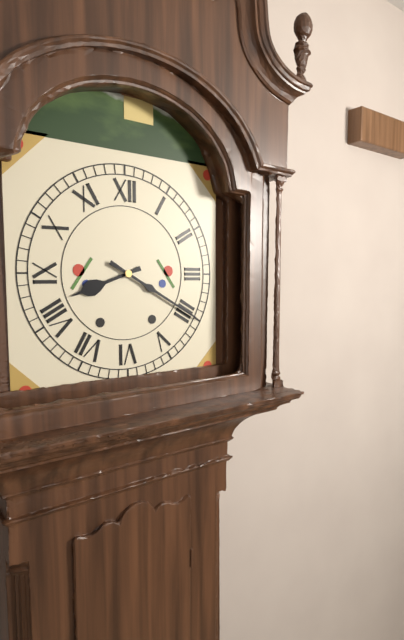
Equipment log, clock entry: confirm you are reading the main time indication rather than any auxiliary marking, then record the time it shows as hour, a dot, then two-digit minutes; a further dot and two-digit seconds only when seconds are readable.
8.20
